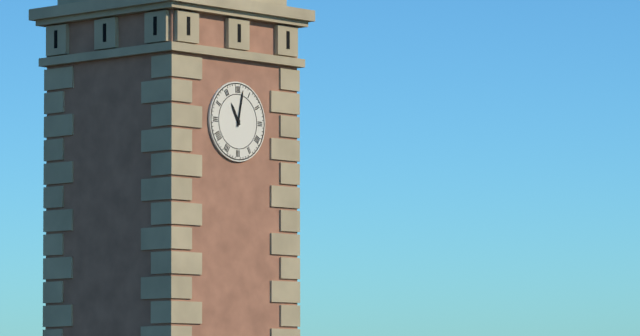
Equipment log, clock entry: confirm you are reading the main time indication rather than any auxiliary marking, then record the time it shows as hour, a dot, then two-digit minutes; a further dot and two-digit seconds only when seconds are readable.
11.02
